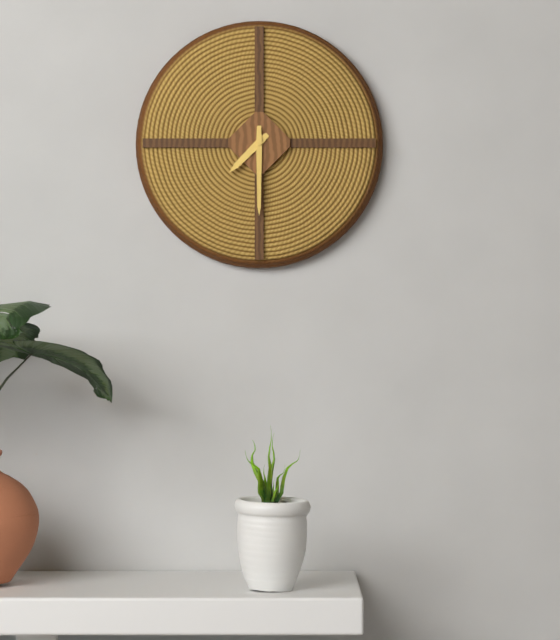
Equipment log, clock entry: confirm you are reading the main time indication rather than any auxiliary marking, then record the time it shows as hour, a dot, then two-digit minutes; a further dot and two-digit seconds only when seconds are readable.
7.30
